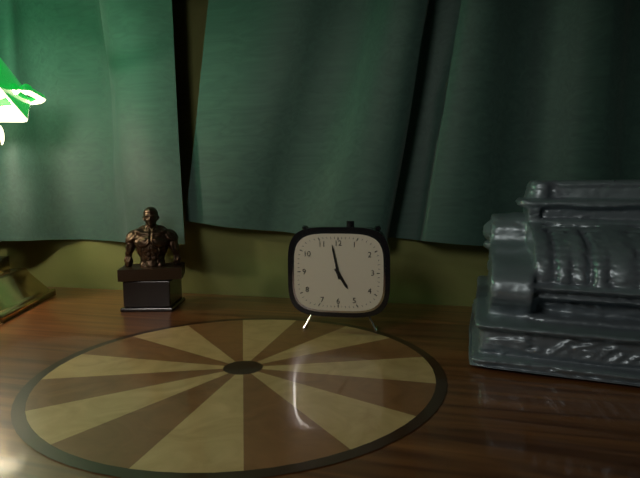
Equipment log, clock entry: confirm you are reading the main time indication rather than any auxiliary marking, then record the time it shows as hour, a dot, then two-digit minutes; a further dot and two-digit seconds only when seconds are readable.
4.58
